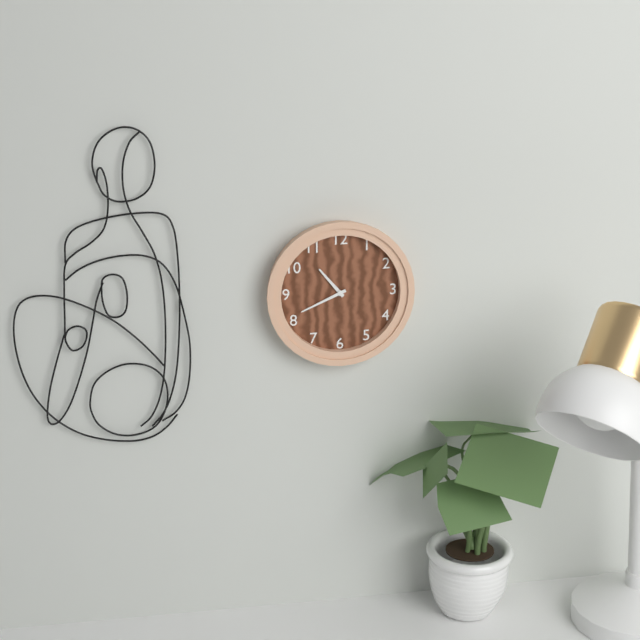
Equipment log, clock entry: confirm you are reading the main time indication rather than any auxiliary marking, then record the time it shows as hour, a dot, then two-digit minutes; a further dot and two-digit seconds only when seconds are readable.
10.41
